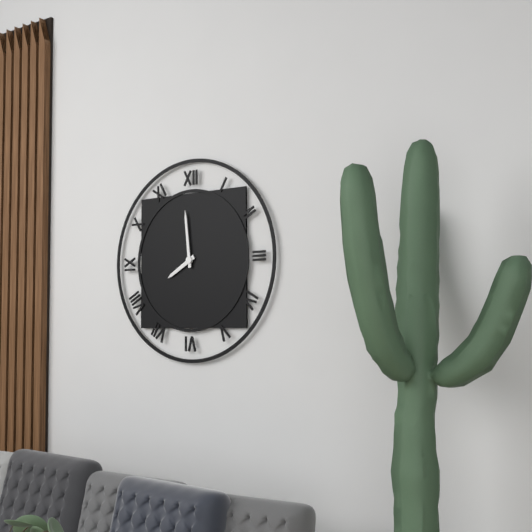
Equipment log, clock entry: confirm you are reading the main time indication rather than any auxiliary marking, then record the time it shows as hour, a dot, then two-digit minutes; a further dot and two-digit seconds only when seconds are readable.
7.59
